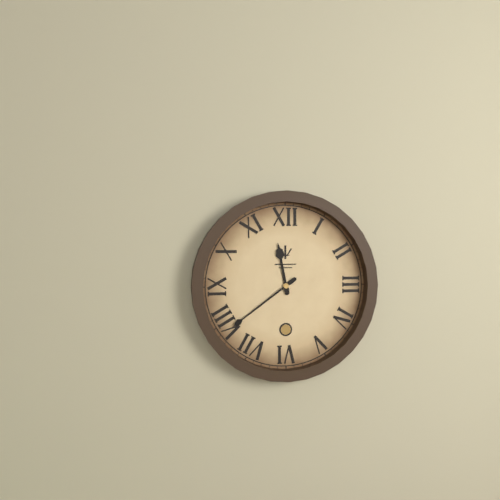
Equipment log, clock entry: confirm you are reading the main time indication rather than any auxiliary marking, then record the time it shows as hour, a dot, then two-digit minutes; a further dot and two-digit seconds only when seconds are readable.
11.39
